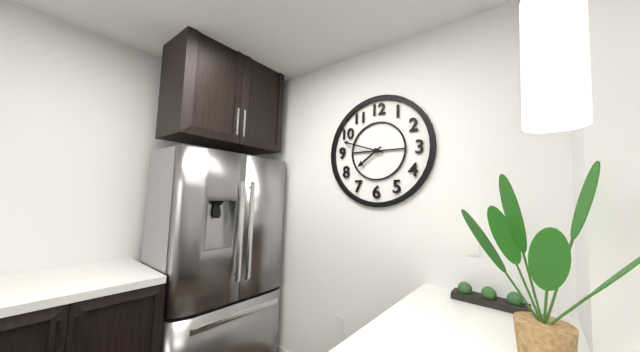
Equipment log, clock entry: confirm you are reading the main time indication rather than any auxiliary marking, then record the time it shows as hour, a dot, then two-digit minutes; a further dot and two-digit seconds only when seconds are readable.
7.48
